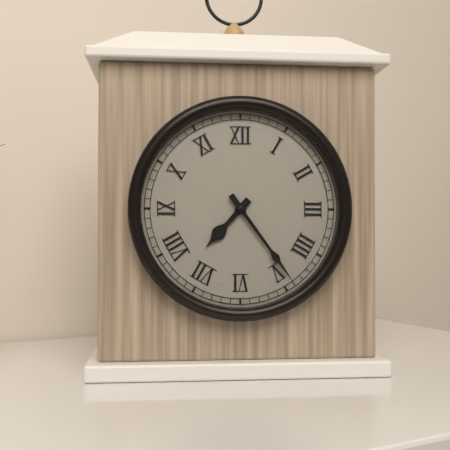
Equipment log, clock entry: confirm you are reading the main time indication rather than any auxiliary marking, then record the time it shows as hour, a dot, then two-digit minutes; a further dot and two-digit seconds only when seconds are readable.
7.24
